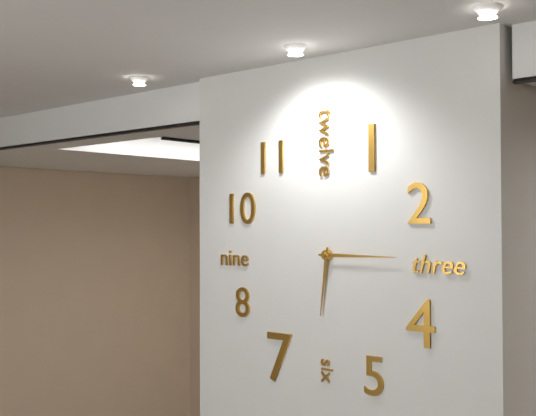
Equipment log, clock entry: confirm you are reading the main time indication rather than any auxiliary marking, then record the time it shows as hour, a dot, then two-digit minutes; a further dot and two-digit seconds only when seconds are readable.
6.15
